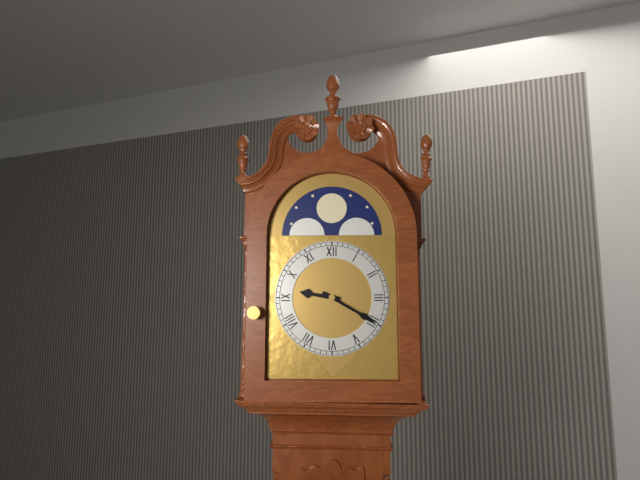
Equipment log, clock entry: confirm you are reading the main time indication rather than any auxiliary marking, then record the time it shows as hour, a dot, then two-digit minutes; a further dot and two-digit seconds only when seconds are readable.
9.20
